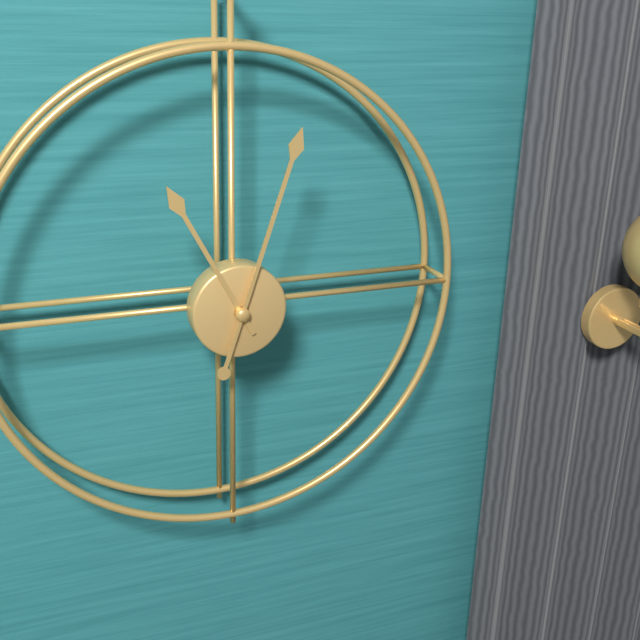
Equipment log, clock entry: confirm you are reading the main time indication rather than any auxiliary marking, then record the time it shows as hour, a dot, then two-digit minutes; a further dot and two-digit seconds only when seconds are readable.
11.03
